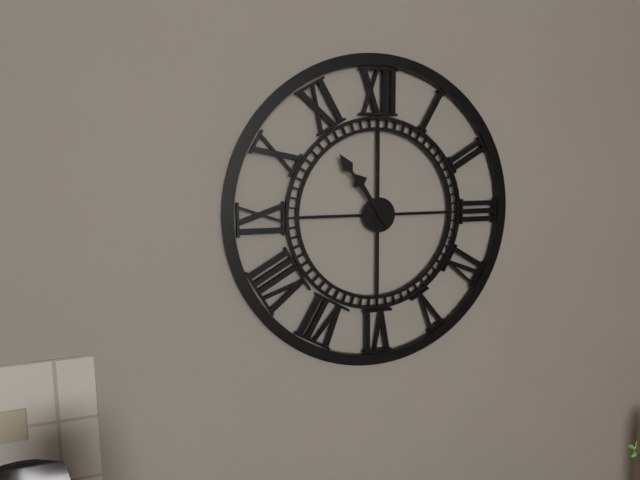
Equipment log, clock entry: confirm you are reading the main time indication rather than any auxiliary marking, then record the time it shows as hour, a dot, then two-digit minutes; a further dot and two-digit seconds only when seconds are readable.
10.54
